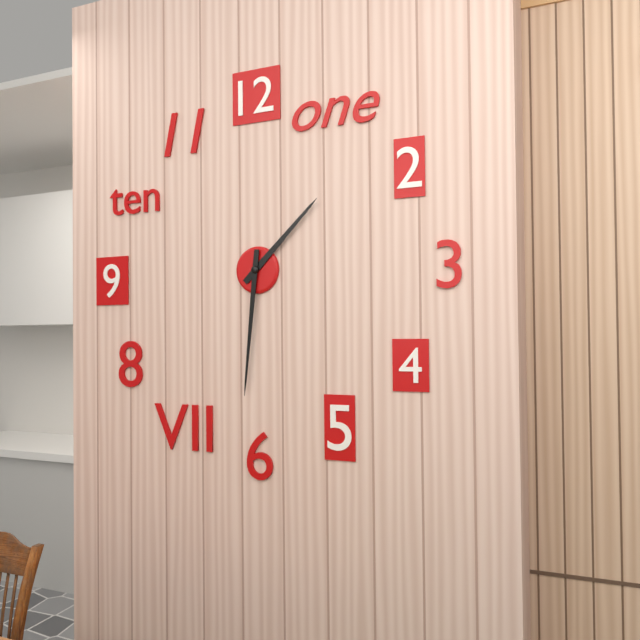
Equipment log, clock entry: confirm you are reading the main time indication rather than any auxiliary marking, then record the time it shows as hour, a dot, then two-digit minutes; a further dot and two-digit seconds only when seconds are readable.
1.31
